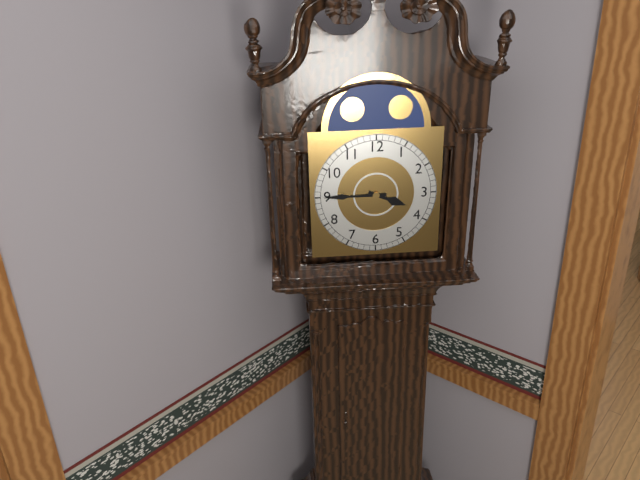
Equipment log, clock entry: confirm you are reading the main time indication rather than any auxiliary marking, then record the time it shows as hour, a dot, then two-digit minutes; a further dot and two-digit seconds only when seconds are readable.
3.45
